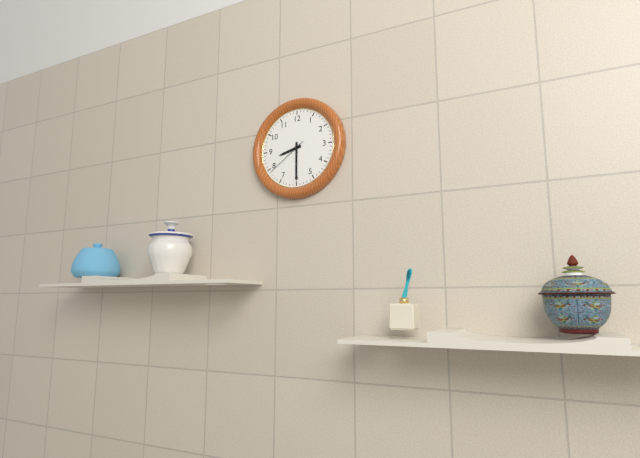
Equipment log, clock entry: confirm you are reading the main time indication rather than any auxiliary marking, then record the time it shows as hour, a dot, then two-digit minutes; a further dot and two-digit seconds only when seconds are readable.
8.30
